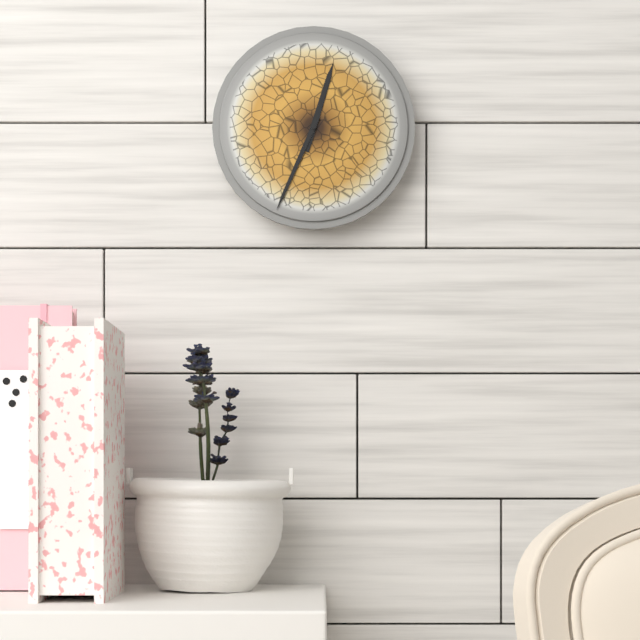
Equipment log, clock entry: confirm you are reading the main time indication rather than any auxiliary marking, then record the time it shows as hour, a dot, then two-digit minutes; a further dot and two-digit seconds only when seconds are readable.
12.34
